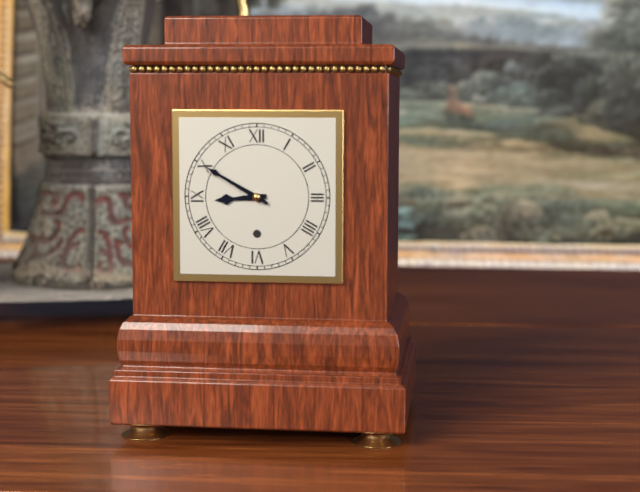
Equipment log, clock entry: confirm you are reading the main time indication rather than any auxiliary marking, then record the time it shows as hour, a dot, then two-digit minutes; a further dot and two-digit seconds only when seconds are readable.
8.50
